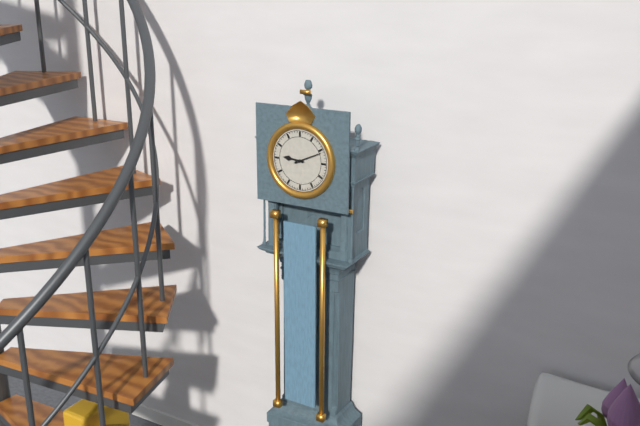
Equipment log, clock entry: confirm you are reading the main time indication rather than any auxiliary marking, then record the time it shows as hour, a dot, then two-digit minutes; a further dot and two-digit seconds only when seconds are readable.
9.11
